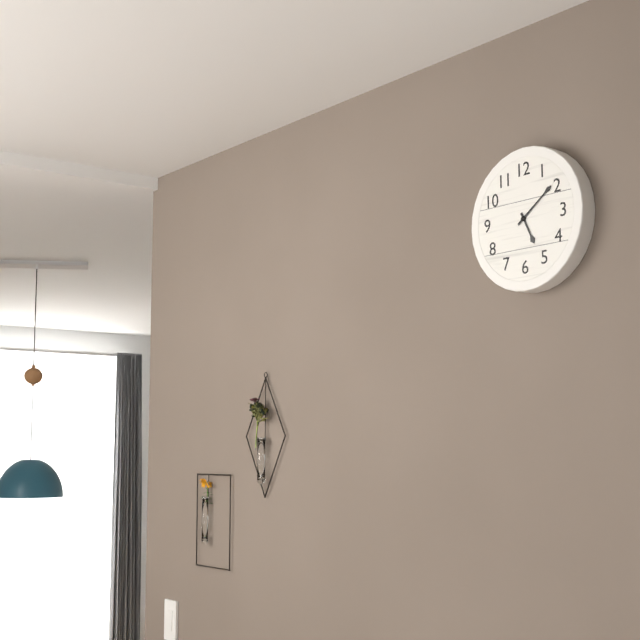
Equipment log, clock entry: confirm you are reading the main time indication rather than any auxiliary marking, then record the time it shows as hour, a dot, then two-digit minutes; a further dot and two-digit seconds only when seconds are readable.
5.09
